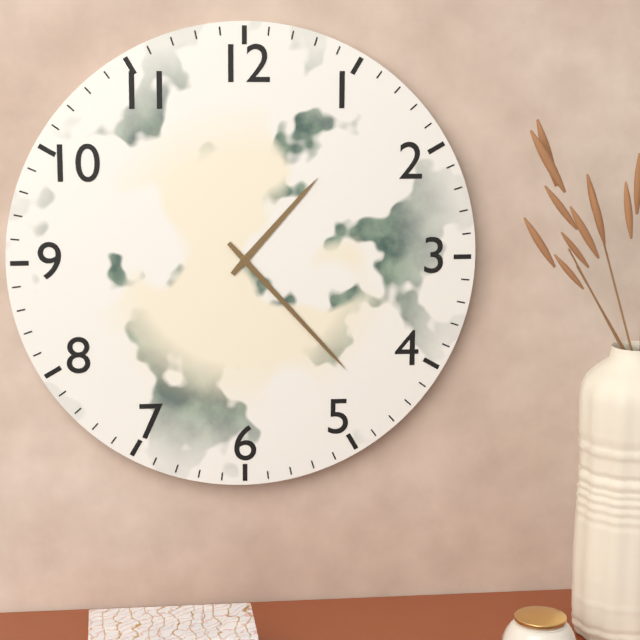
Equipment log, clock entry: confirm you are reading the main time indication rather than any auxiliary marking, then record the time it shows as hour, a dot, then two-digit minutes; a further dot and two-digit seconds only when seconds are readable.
1.23
